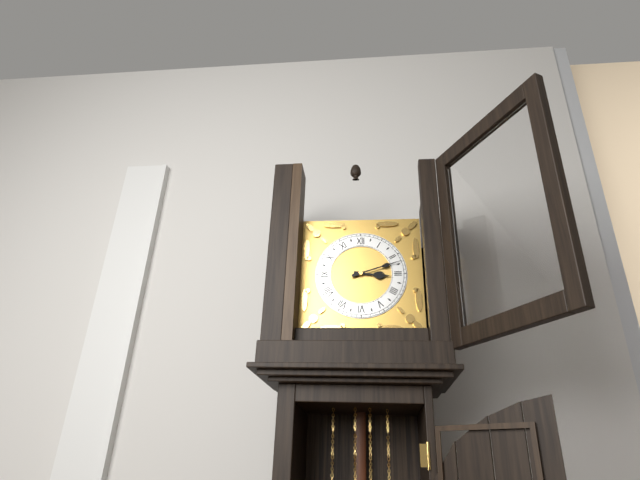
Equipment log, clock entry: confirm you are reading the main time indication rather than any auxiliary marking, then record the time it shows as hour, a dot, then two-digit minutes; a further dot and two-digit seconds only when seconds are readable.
3.12
